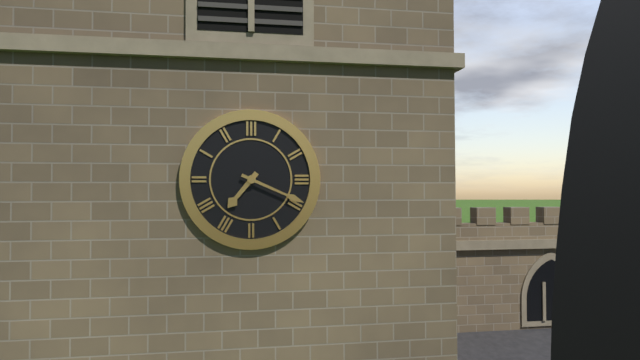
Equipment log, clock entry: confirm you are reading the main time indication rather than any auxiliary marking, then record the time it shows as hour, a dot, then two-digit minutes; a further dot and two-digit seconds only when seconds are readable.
7.19
